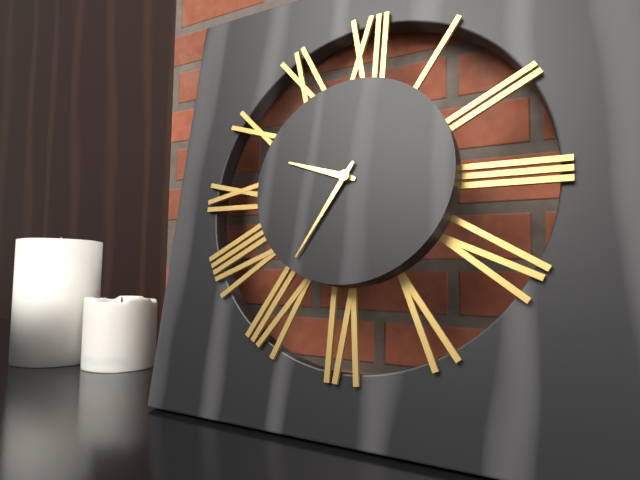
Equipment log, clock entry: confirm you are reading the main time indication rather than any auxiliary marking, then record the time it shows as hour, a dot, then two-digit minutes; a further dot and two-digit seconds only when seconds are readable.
9.35
